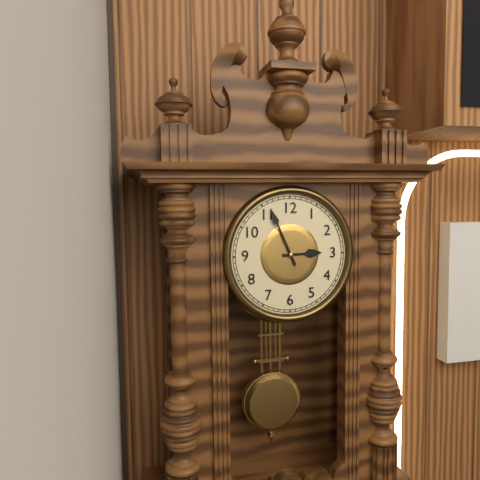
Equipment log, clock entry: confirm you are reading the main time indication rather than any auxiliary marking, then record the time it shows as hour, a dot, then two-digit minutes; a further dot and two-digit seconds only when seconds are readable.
2.56
